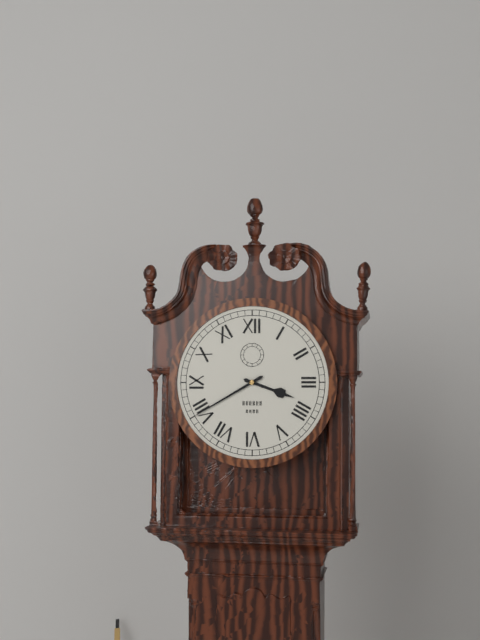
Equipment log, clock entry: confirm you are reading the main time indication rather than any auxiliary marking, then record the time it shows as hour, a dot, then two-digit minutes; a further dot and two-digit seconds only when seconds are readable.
3.40
